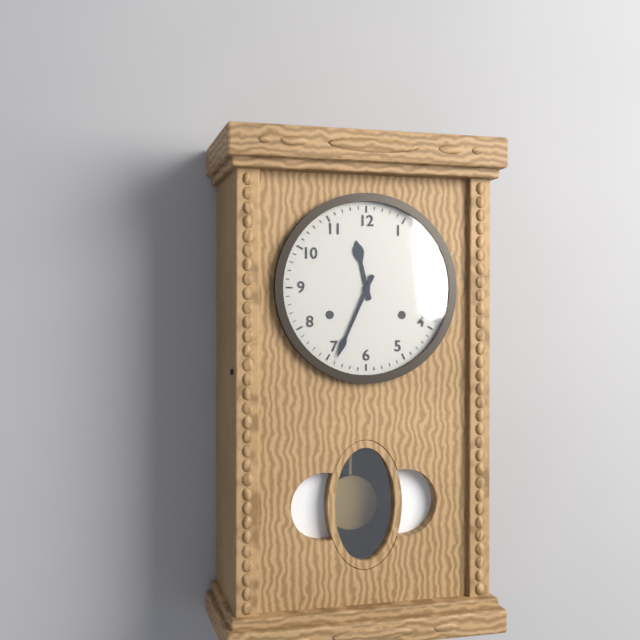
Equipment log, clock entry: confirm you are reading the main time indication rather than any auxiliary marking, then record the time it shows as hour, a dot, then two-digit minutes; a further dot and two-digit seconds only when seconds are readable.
11.34
